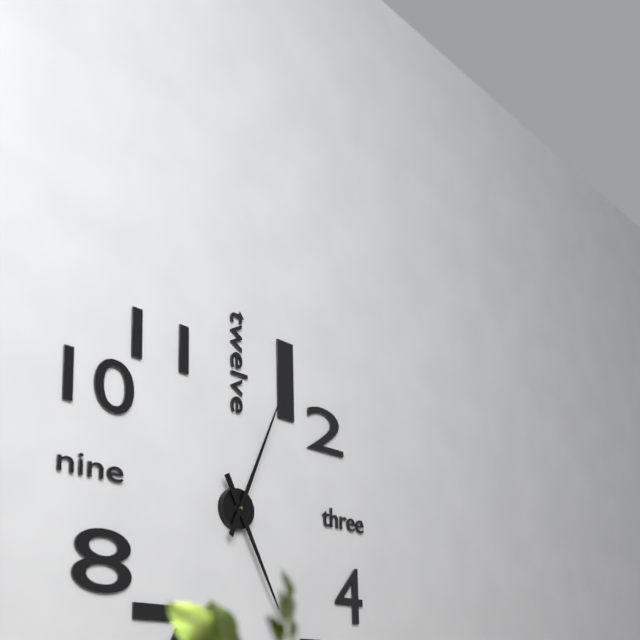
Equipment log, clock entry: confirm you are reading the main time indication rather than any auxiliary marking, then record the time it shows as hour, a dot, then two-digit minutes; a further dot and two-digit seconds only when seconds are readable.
5.04
